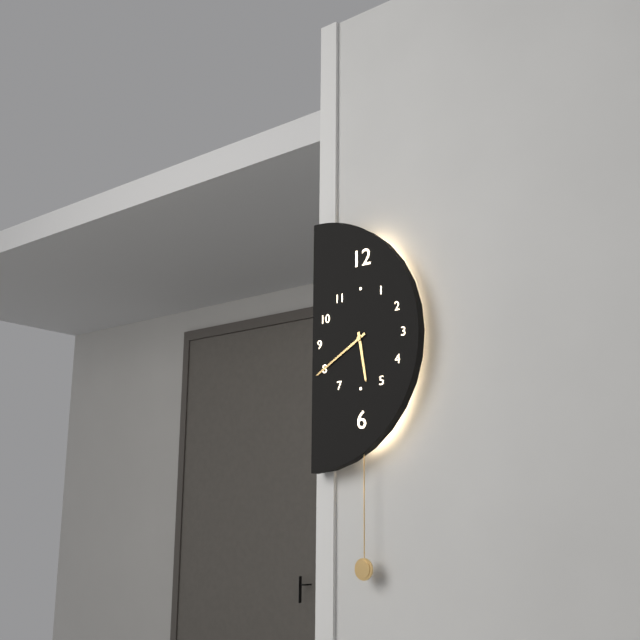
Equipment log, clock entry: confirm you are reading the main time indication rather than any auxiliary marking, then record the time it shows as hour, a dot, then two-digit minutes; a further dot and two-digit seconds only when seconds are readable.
5.40
